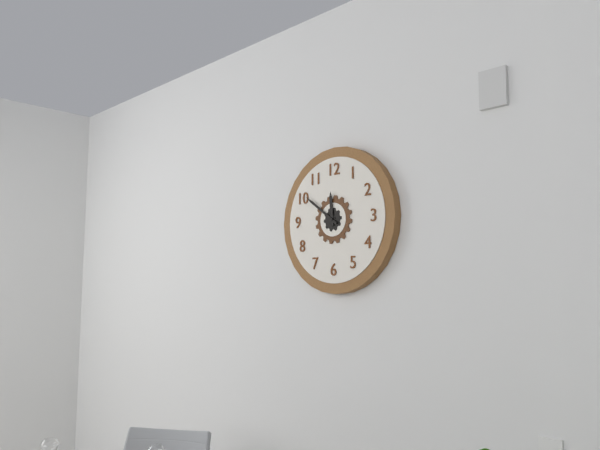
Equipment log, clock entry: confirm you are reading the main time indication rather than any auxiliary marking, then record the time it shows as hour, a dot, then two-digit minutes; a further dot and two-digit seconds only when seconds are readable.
11.51
